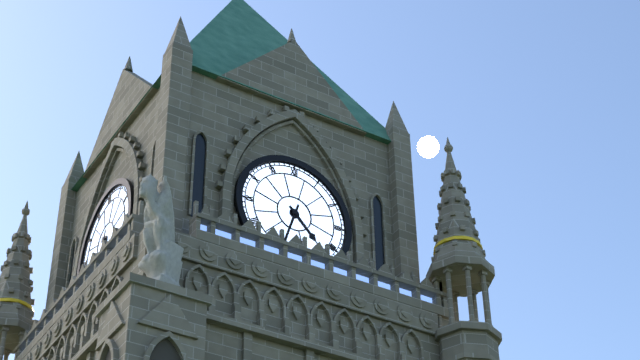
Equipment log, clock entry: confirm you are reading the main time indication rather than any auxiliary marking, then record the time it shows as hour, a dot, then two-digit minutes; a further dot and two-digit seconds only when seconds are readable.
4.33
